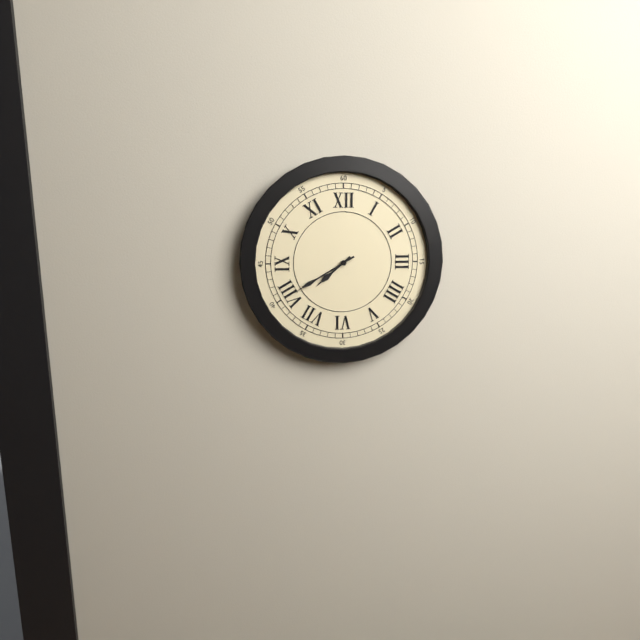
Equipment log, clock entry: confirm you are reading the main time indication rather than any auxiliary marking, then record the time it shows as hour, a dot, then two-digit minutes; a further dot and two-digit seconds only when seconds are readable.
7.40
